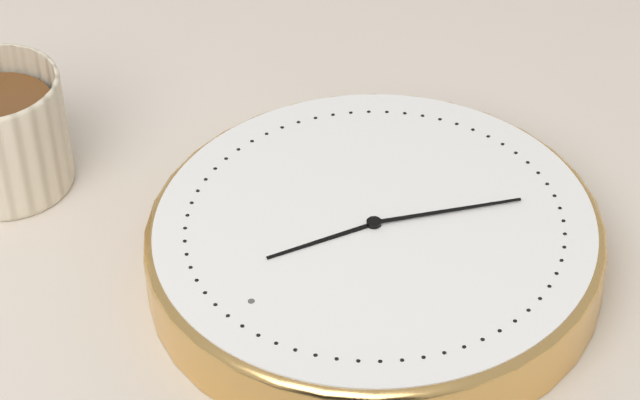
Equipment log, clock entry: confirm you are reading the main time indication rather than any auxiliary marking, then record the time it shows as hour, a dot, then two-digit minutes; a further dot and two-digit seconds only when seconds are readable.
12.35
